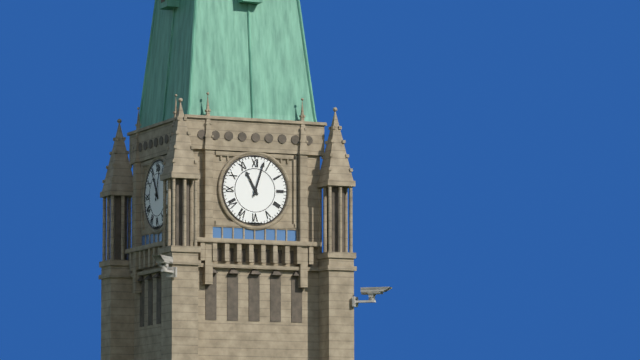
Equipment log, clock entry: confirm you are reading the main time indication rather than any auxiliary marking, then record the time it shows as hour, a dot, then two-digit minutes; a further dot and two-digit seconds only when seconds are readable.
11.03
